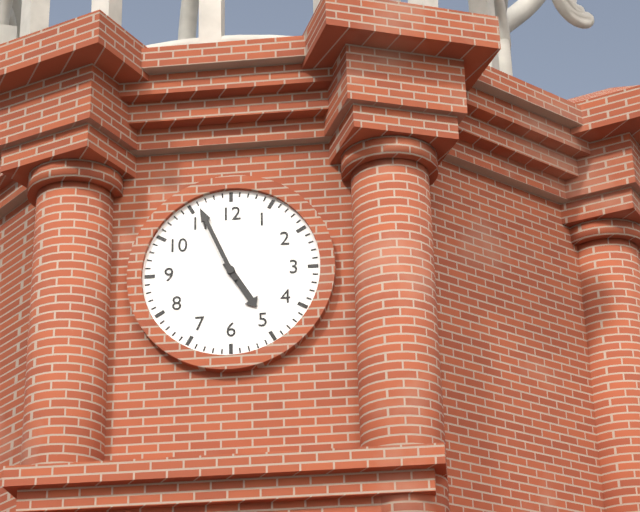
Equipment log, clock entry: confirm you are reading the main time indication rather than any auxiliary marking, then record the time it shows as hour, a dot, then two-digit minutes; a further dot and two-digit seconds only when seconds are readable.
4.56
